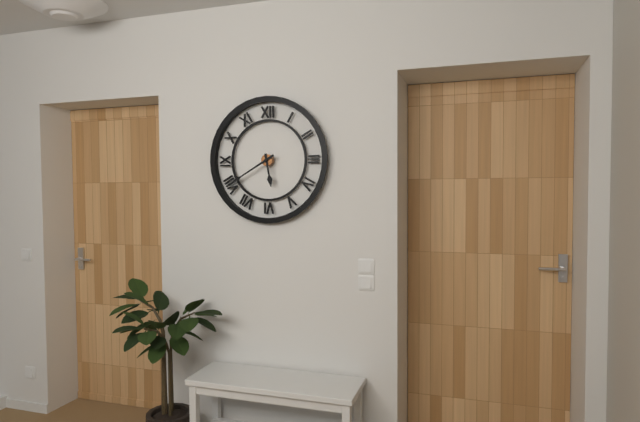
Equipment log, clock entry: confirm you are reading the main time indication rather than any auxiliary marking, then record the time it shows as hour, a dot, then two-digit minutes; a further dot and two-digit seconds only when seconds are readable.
5.40
